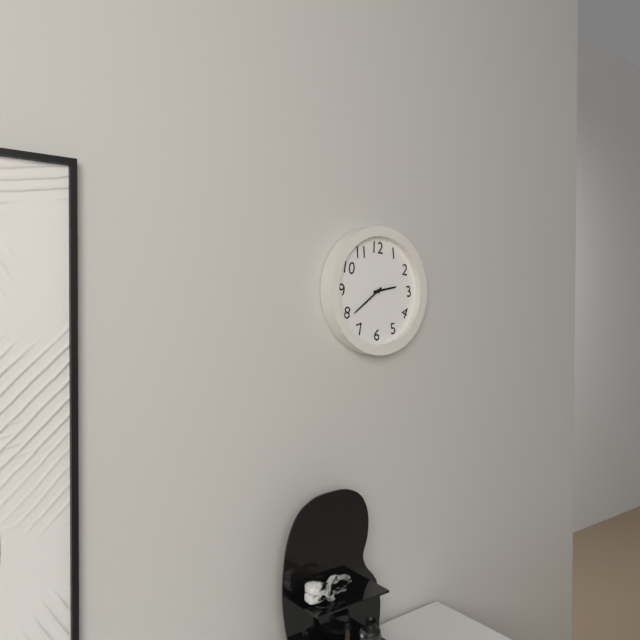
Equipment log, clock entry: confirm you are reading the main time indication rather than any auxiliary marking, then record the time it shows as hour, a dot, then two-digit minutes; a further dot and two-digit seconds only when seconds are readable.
2.39
